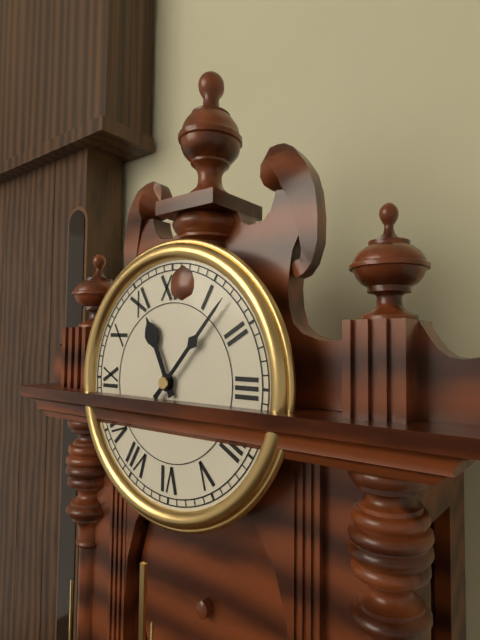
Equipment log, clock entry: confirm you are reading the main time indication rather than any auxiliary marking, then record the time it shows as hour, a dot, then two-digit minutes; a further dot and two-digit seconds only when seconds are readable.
11.07
